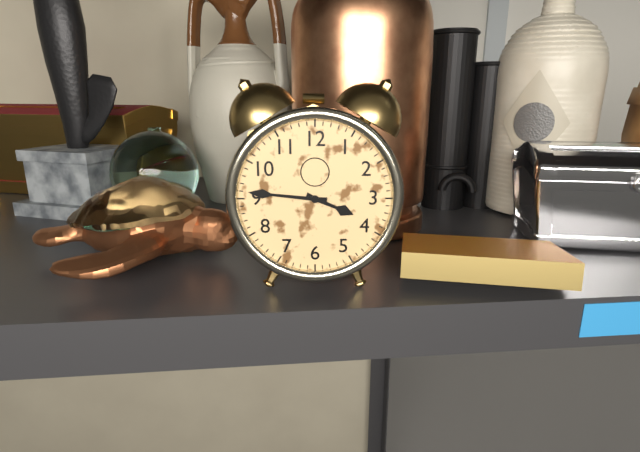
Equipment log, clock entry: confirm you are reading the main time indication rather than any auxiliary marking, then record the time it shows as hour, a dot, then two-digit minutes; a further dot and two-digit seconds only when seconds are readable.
3.46
